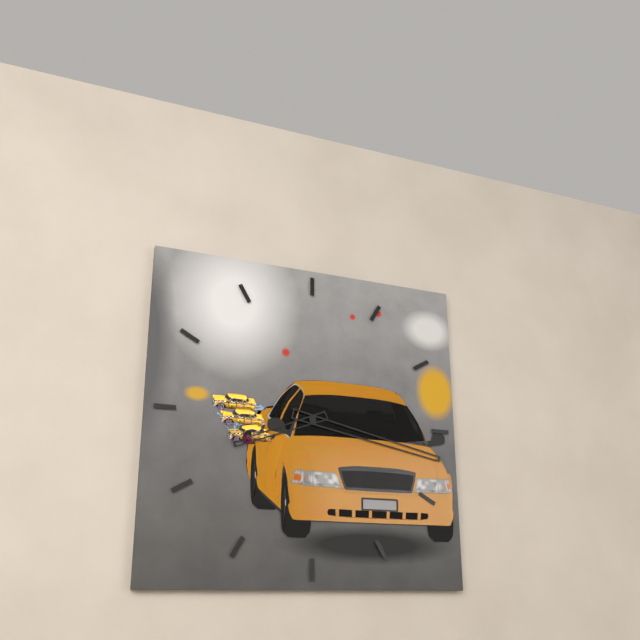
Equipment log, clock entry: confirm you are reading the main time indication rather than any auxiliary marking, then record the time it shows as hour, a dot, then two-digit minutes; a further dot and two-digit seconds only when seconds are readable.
8.17
